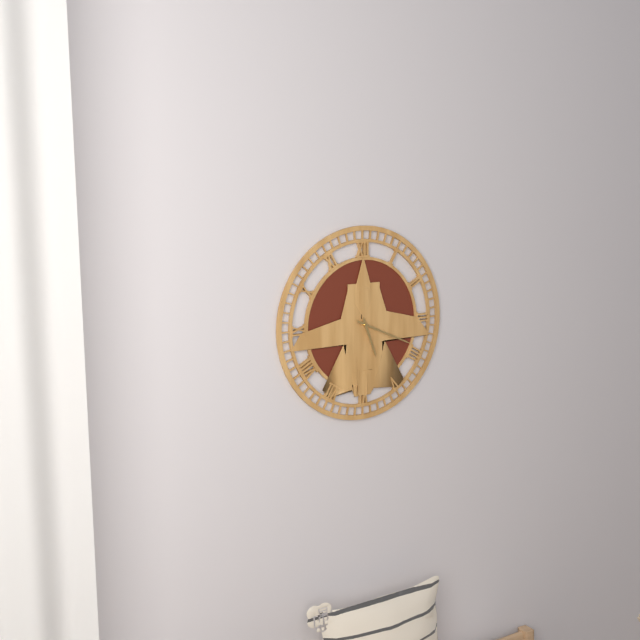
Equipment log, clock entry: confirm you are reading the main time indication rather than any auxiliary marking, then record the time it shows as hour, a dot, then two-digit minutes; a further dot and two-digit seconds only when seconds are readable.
5.19
